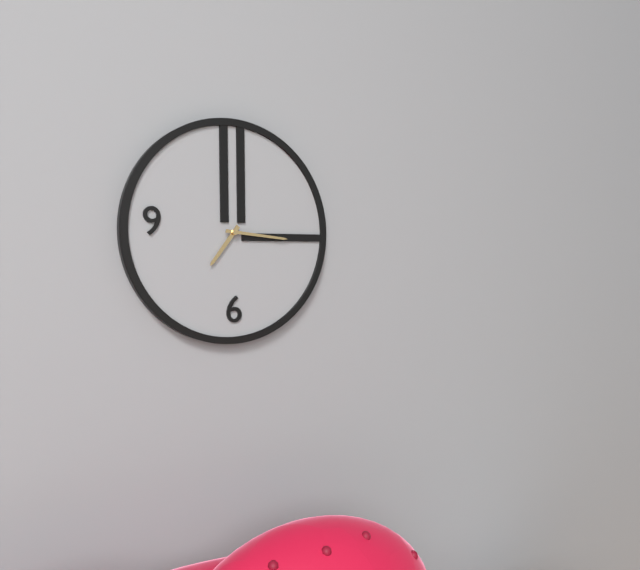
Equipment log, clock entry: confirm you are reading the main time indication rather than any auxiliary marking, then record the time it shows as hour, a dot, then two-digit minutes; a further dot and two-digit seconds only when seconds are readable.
7.16
